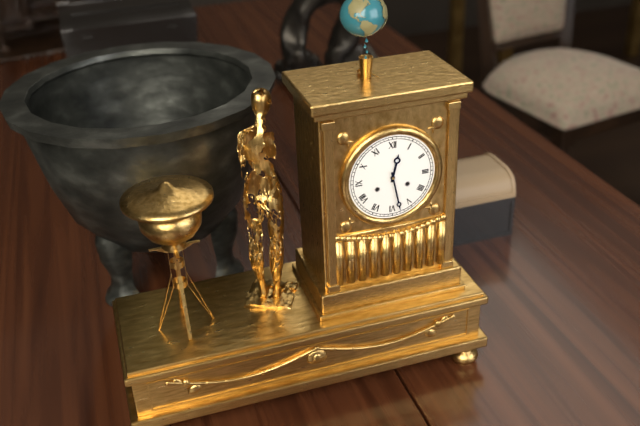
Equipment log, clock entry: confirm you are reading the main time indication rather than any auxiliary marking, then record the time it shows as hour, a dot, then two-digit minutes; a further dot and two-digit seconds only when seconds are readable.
12.28
